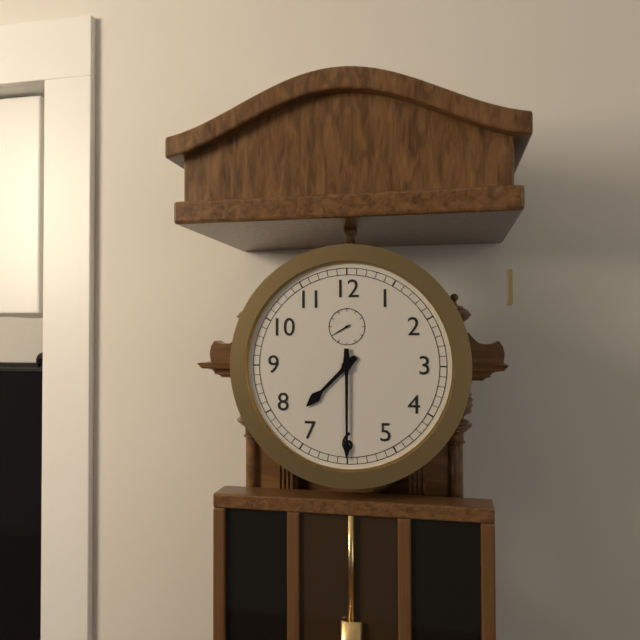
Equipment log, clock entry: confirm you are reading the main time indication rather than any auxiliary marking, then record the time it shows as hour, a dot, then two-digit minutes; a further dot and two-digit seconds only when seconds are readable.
7.30
